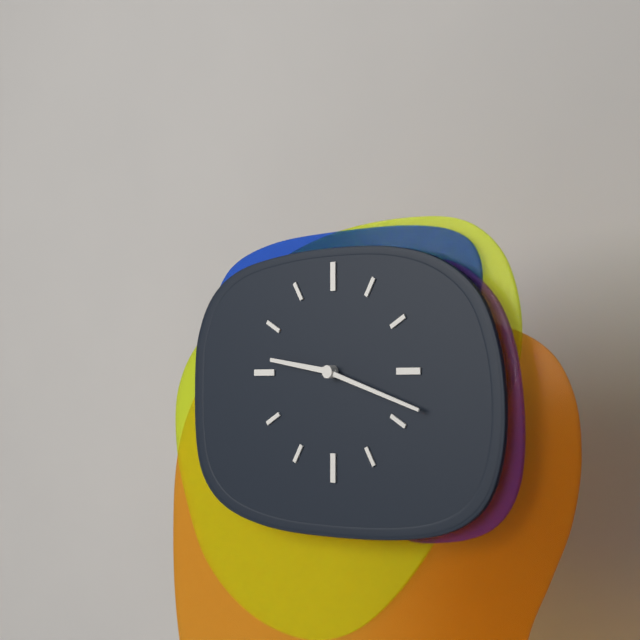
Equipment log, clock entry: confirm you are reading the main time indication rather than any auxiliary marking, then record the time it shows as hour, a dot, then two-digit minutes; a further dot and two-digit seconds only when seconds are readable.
9.18
